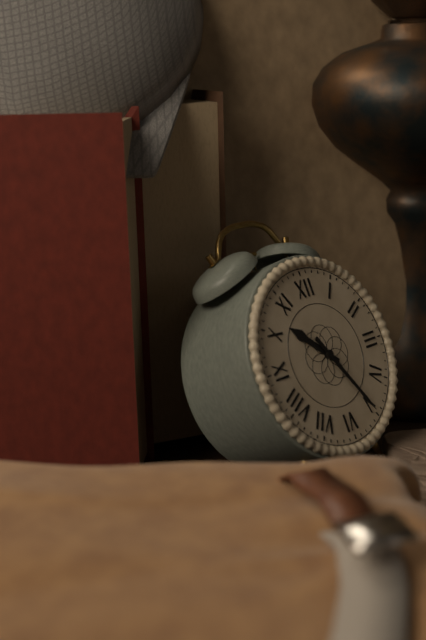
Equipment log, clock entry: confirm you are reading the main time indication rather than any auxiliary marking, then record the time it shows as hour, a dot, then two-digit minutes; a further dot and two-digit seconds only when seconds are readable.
10.25
